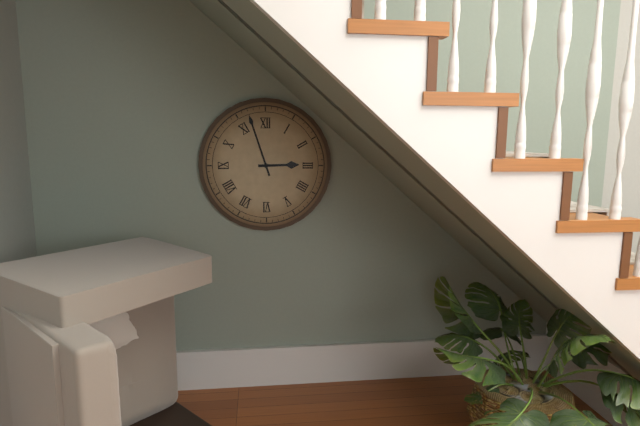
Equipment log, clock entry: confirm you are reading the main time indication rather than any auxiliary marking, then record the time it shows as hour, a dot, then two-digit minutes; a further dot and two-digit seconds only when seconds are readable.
2.57
